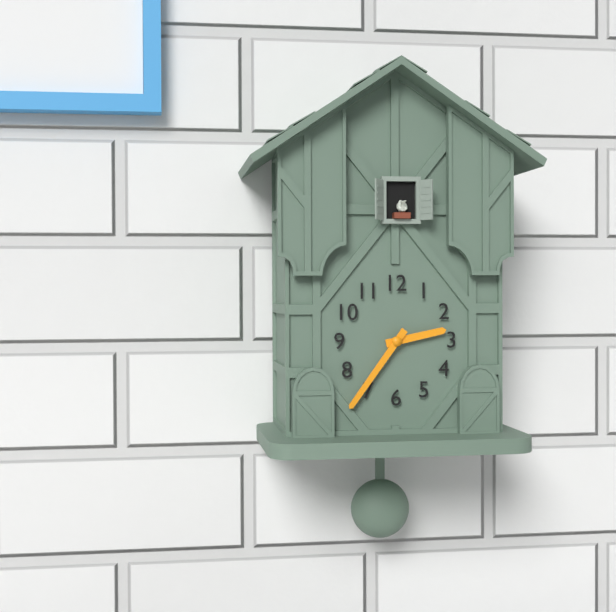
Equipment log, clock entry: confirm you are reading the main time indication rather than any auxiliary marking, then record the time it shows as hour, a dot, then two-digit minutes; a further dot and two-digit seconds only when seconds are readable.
2.36
